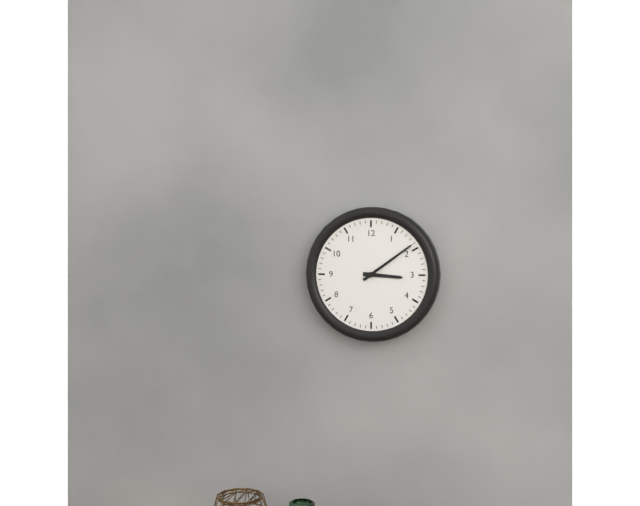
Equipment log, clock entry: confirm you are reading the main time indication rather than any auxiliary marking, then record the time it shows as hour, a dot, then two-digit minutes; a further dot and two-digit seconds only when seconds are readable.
3.09
